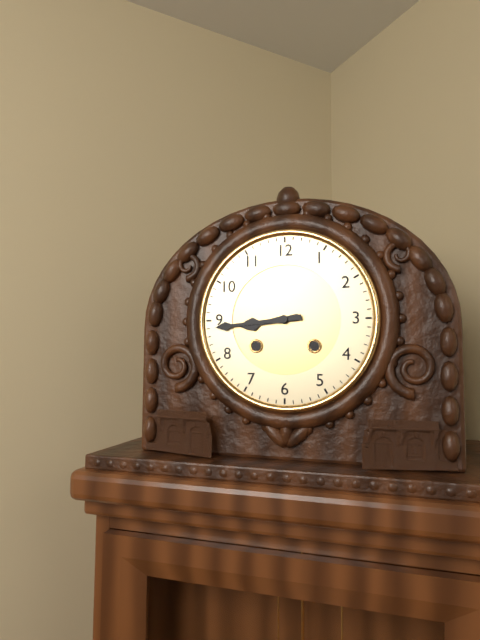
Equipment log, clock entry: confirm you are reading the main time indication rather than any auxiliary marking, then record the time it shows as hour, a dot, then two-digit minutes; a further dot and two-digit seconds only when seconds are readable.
8.44
